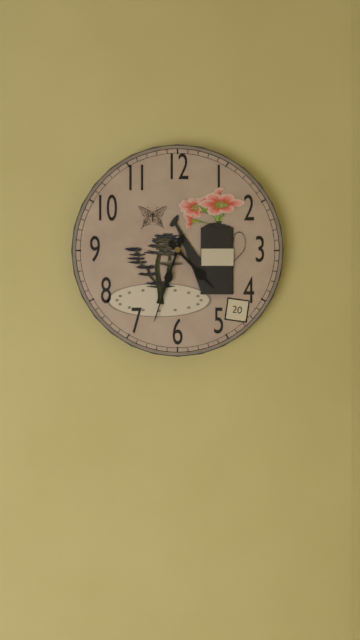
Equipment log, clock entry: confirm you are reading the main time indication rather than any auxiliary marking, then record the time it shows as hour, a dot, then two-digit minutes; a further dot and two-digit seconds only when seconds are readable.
4.33
